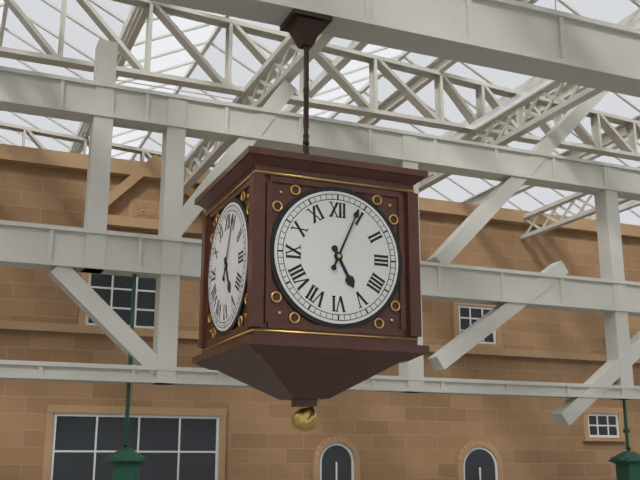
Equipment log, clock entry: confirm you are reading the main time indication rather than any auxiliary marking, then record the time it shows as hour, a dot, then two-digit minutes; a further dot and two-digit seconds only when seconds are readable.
5.04
